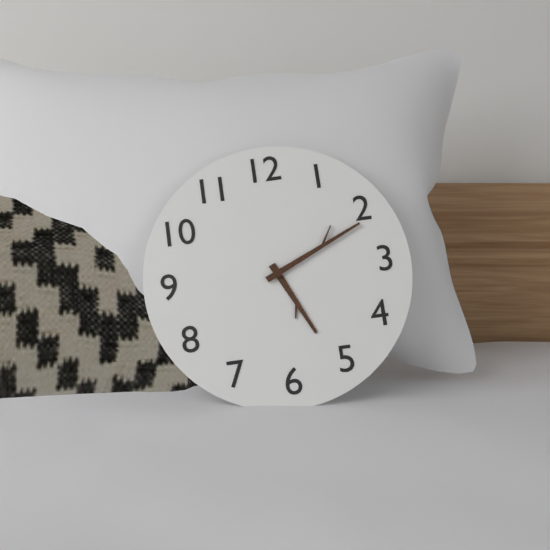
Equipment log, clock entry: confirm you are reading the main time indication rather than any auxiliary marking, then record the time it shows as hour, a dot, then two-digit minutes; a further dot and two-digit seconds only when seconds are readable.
5.11
